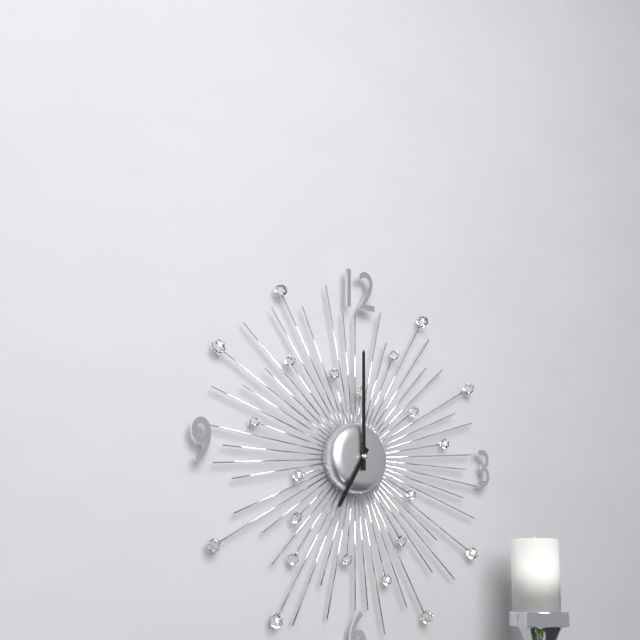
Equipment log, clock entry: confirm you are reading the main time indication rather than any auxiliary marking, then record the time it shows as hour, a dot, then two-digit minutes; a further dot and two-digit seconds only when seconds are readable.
7.00
